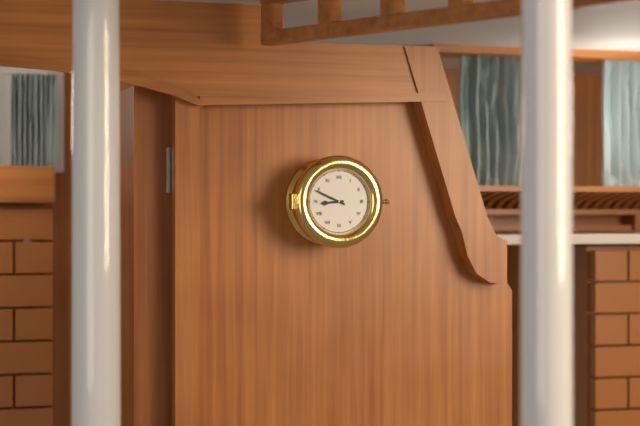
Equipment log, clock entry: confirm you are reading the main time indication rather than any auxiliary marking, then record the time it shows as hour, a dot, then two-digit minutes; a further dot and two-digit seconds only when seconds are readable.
8.49
